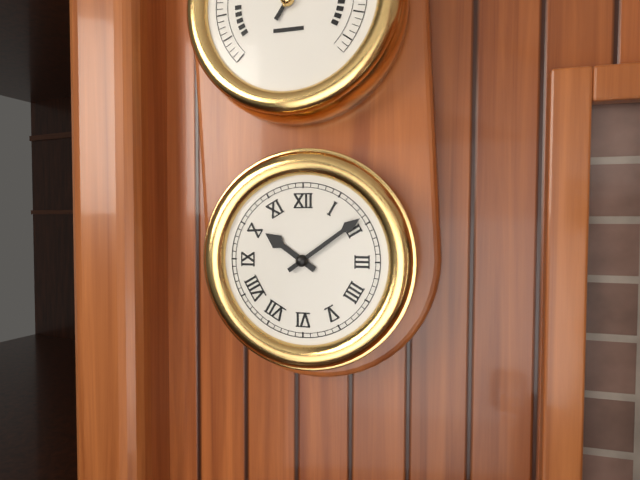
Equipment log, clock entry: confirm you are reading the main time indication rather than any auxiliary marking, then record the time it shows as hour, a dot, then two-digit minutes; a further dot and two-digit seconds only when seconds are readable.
10.09
